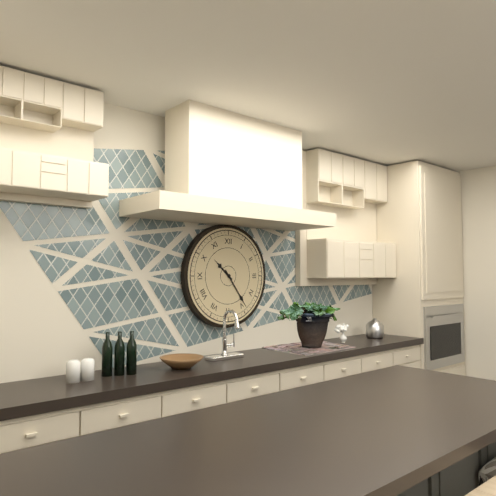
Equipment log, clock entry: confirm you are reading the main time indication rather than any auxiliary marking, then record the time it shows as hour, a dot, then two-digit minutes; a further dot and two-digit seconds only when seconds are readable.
10.24
